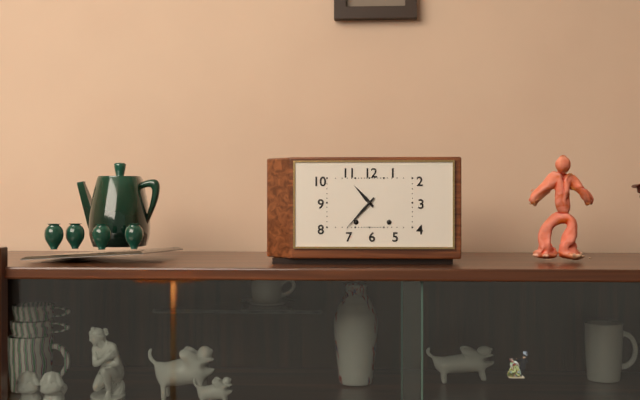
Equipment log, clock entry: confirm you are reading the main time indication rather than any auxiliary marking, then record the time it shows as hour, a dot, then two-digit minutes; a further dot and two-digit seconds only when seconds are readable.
10.37
